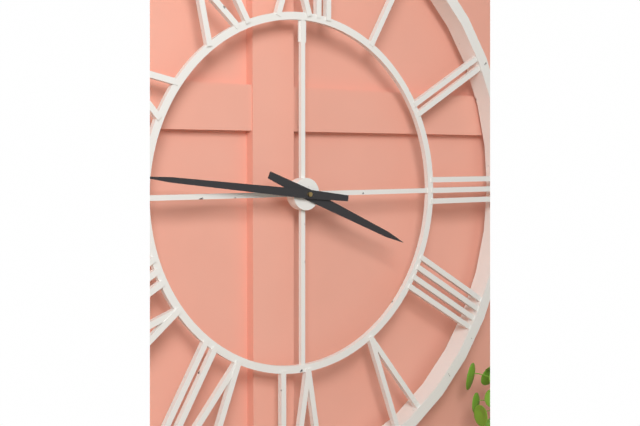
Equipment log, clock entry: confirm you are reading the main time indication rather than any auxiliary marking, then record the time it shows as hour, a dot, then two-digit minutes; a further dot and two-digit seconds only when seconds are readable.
3.46
